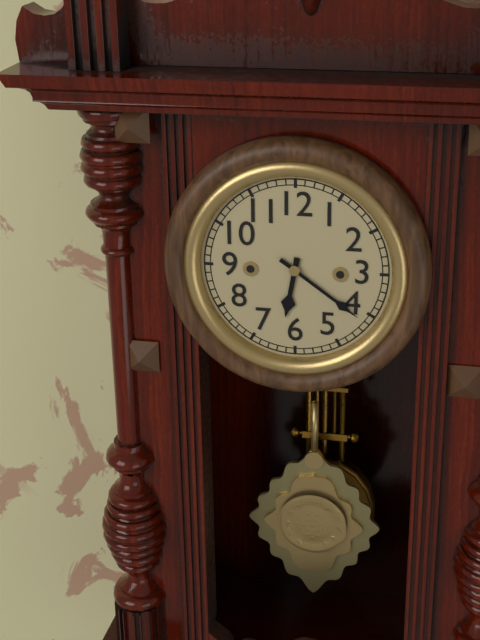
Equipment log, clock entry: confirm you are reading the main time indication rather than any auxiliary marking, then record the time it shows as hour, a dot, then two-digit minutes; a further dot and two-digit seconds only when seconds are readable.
6.21
